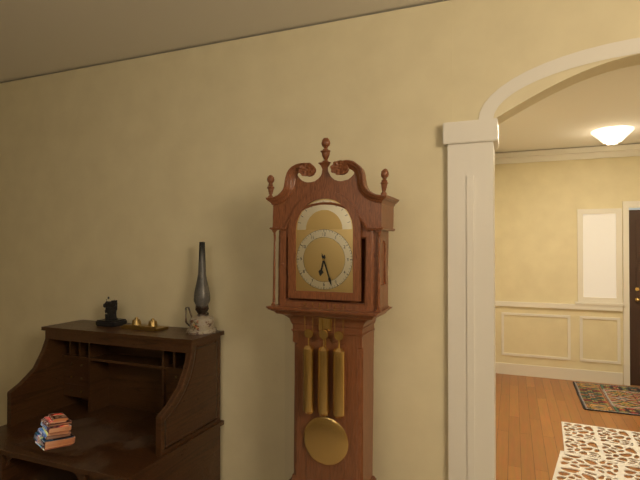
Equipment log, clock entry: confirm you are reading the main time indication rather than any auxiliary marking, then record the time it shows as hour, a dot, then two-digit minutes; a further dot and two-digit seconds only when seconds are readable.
6.27
